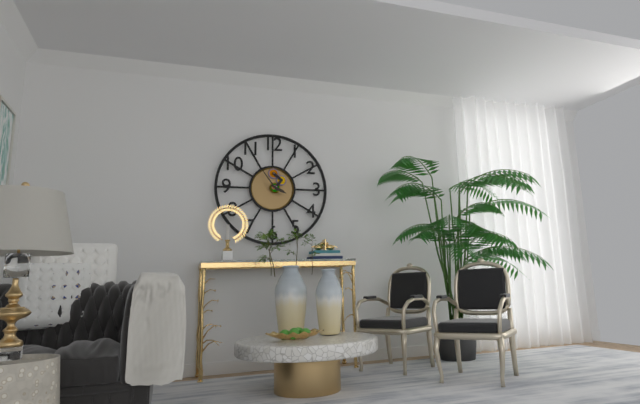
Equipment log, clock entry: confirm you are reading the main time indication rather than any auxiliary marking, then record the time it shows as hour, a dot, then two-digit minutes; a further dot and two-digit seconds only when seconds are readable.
3.54
